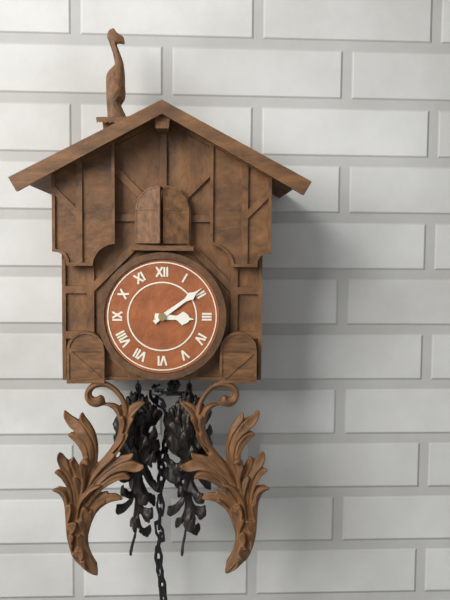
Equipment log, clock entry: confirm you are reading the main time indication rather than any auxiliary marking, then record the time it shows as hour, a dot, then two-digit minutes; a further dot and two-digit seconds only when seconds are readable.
3.09
